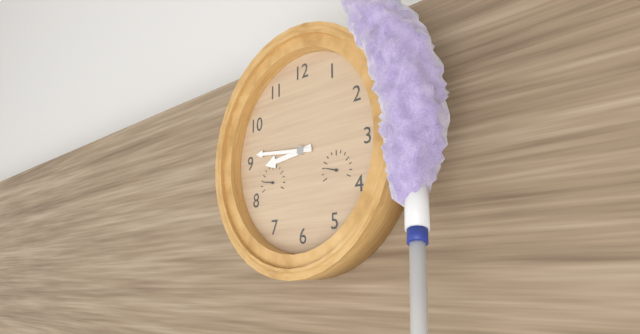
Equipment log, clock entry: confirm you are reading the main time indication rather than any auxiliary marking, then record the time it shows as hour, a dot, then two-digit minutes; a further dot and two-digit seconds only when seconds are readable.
8.46
